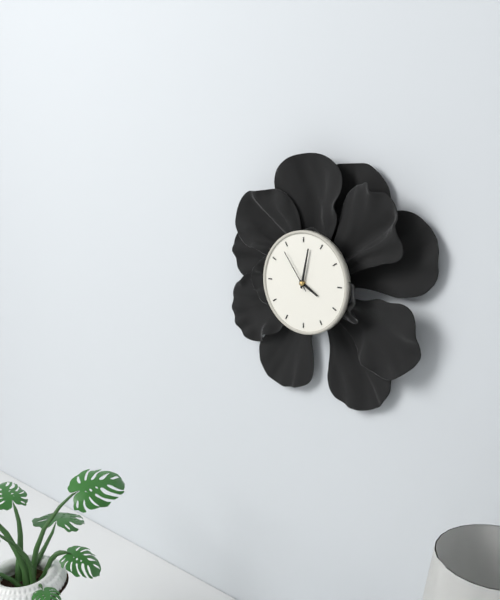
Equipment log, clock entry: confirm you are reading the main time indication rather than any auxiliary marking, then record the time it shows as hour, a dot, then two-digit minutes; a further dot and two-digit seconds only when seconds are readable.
4.02
